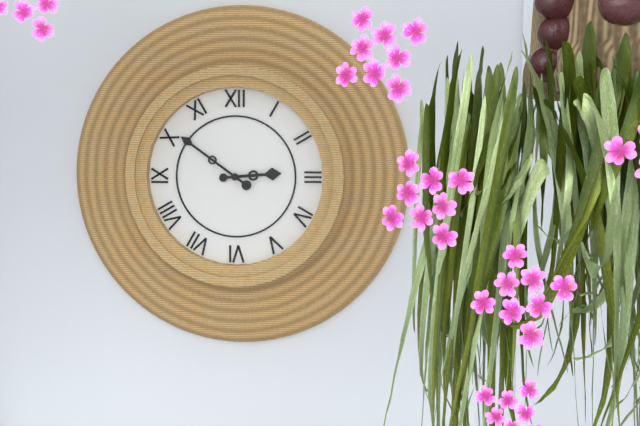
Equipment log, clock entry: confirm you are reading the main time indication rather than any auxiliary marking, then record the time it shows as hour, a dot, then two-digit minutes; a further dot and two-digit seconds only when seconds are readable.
2.51
